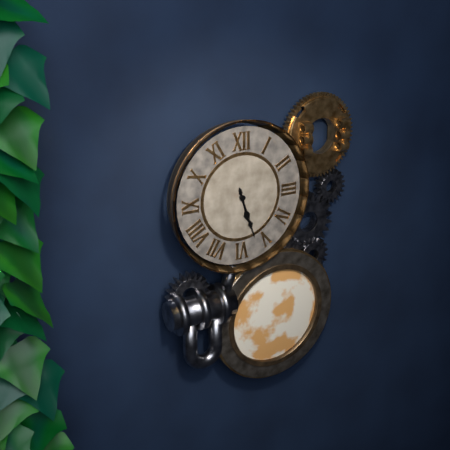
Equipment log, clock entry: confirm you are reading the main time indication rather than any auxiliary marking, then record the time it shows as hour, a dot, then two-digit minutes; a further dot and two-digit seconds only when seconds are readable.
5.27
